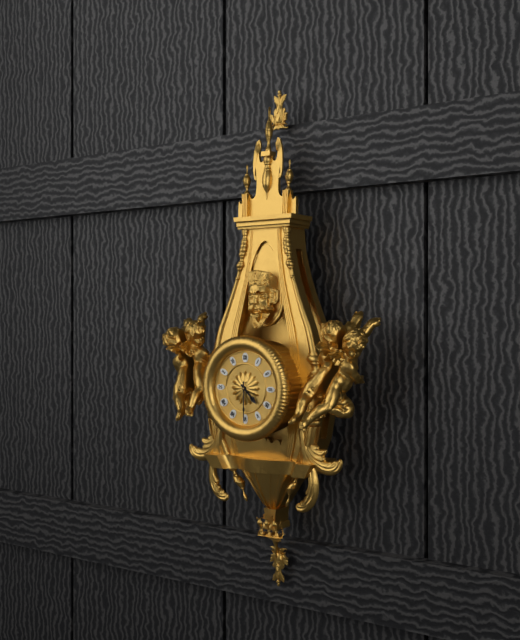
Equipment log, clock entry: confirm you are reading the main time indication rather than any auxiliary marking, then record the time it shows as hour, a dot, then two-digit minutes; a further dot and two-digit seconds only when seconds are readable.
4.30
